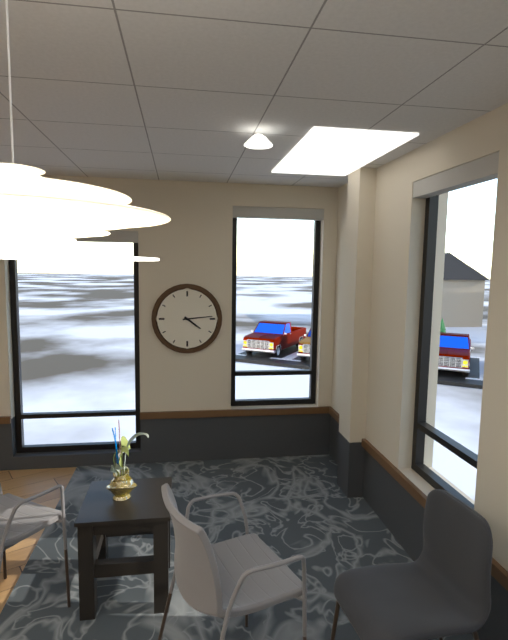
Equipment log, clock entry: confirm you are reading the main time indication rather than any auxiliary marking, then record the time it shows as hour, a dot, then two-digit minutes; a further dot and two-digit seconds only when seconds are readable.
4.14
